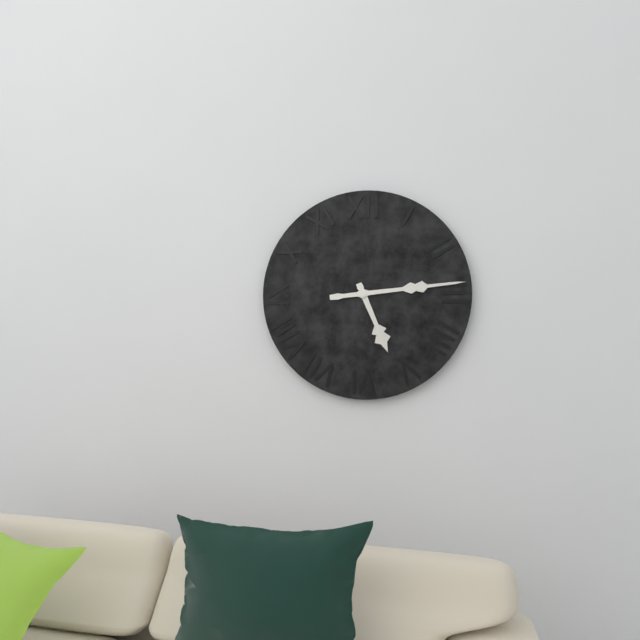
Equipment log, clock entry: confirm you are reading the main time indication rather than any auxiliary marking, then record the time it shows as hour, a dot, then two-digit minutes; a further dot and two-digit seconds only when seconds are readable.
5.14
